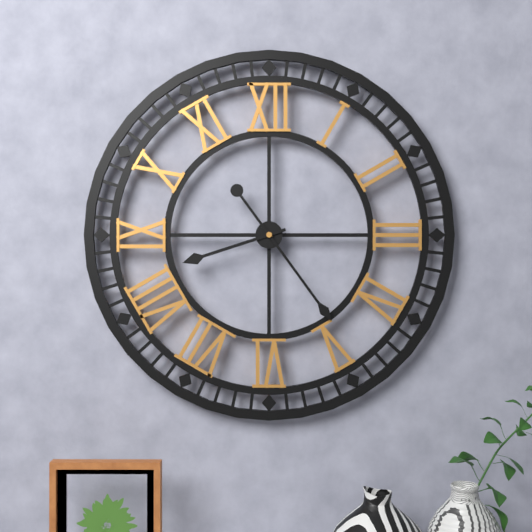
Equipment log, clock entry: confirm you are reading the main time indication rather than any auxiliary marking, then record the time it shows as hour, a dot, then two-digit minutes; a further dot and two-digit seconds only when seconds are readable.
8.24
